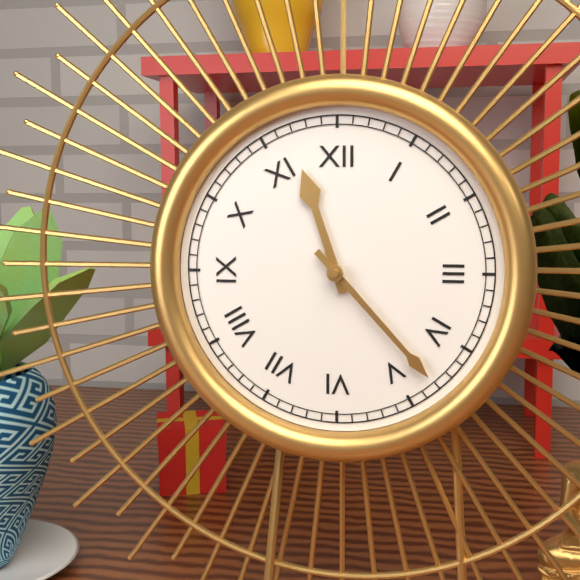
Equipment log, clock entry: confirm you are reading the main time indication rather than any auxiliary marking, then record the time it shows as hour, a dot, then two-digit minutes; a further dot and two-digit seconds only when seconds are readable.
11.23
